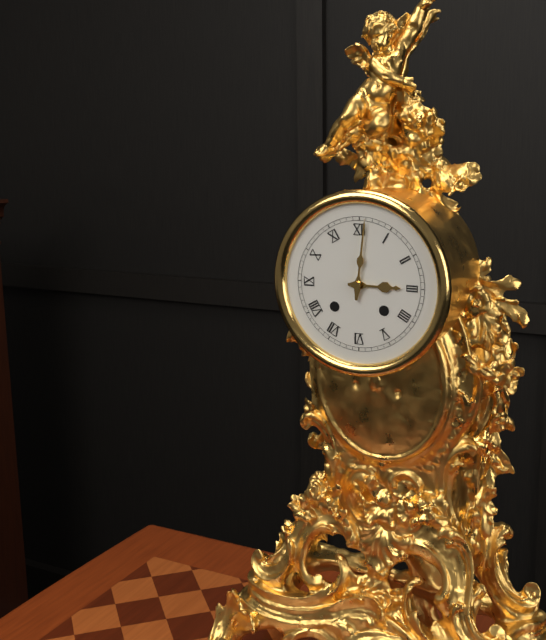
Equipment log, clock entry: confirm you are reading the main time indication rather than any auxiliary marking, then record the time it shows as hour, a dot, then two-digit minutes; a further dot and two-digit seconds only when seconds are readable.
3.01
